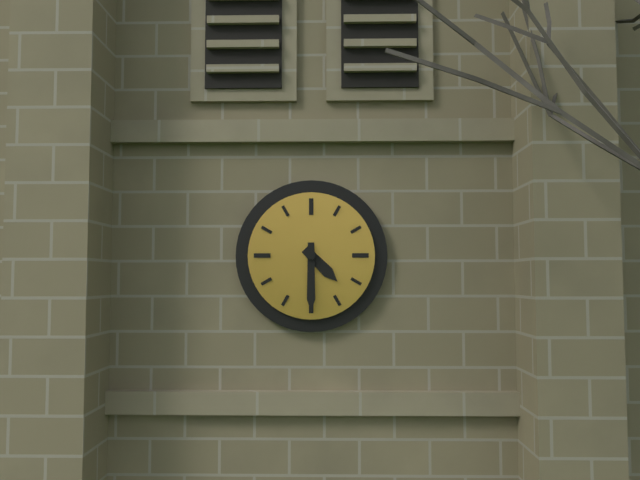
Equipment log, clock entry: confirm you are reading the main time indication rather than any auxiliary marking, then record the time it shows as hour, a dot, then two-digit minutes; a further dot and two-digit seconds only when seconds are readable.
4.30
